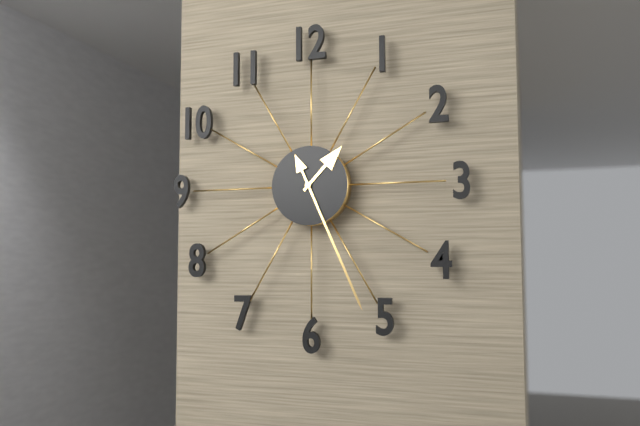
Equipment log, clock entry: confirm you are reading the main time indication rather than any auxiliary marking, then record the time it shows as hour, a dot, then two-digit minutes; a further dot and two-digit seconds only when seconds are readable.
1.26
